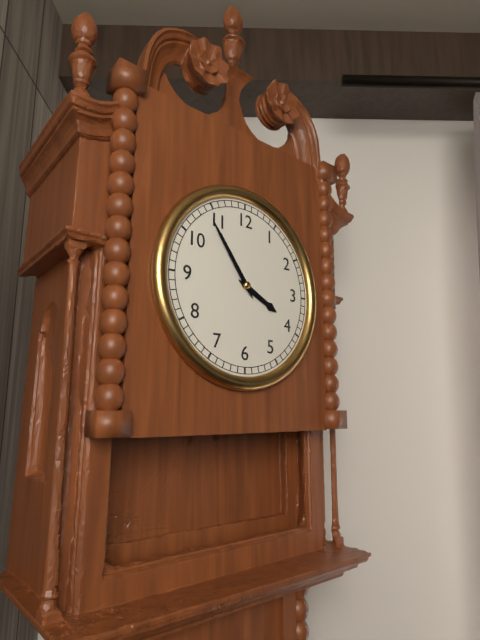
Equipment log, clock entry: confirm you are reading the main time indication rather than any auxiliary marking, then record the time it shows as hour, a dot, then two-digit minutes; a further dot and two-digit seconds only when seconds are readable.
3.54
